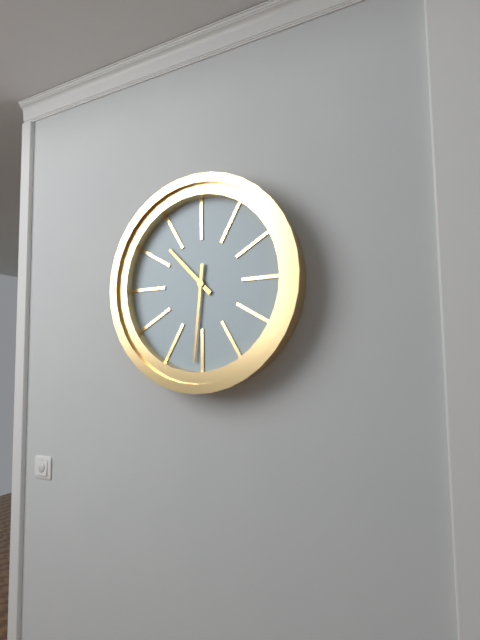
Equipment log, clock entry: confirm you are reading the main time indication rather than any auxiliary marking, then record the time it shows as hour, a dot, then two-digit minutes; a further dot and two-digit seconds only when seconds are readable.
10.31
